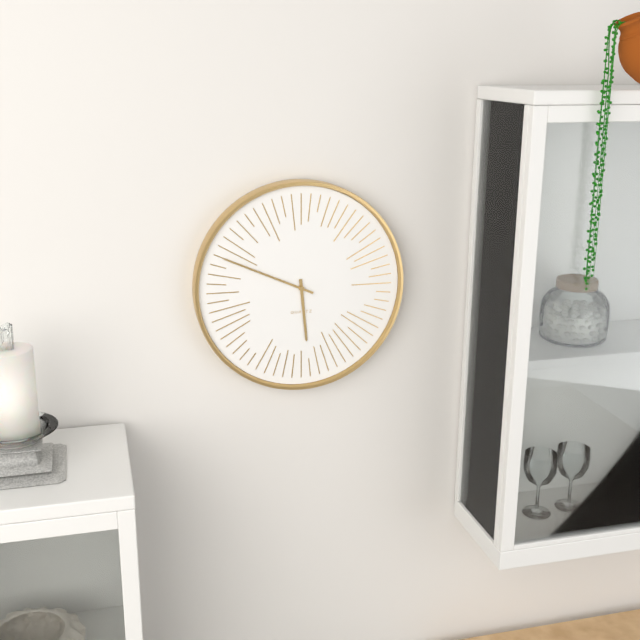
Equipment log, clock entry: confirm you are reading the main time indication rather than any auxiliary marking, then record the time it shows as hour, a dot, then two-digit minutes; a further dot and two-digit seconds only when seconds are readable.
5.49
